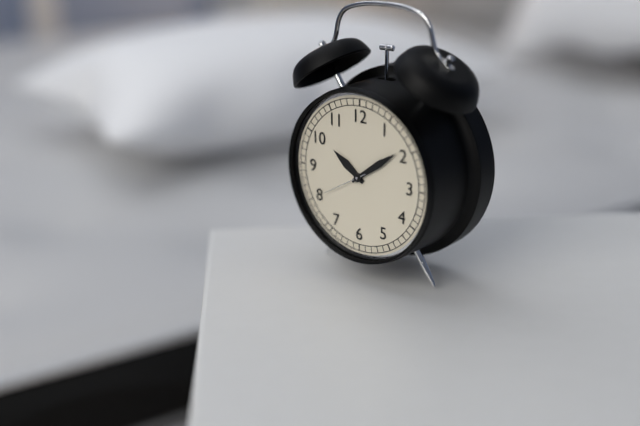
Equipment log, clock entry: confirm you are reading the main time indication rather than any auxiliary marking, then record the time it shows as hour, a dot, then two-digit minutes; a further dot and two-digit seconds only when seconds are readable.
10.09
